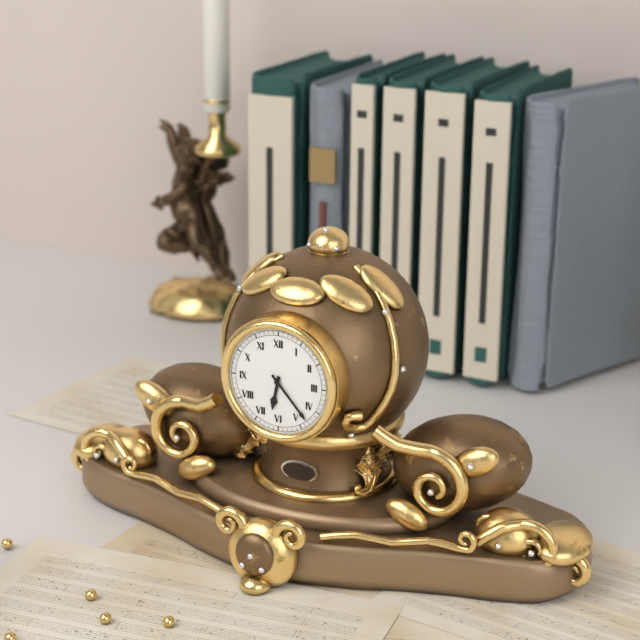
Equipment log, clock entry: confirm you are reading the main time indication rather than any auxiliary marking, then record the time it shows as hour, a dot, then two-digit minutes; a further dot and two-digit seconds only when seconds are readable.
6.23
